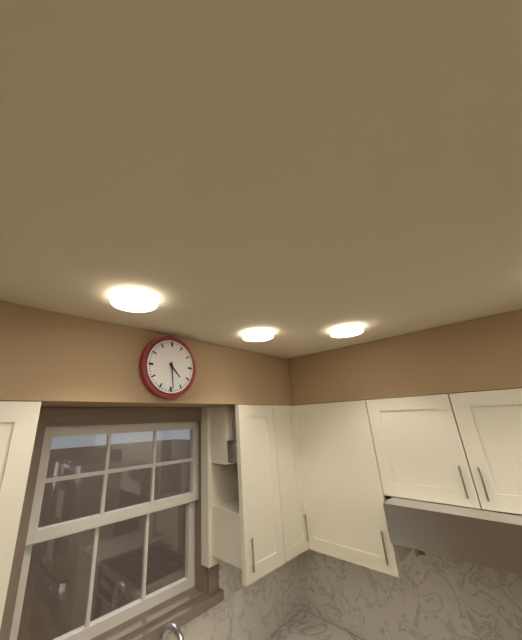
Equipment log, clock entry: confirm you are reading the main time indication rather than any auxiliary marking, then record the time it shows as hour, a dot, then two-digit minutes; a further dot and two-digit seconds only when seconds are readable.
4.29
